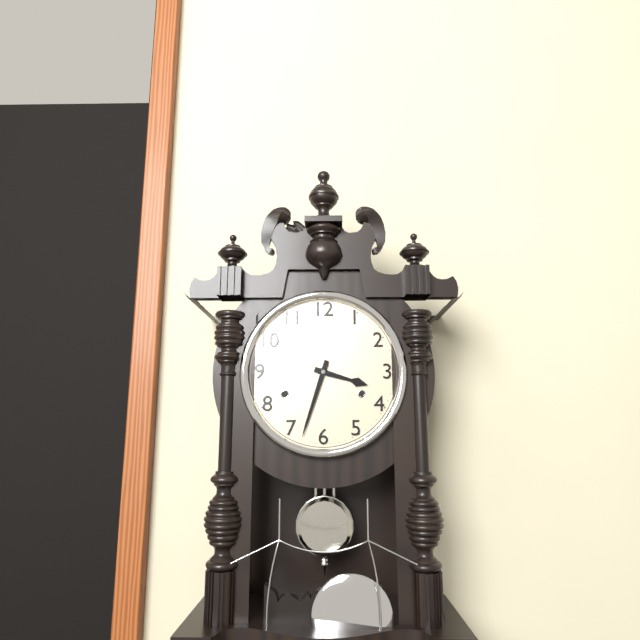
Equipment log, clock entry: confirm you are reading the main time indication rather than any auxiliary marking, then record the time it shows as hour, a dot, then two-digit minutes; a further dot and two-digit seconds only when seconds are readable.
3.33
